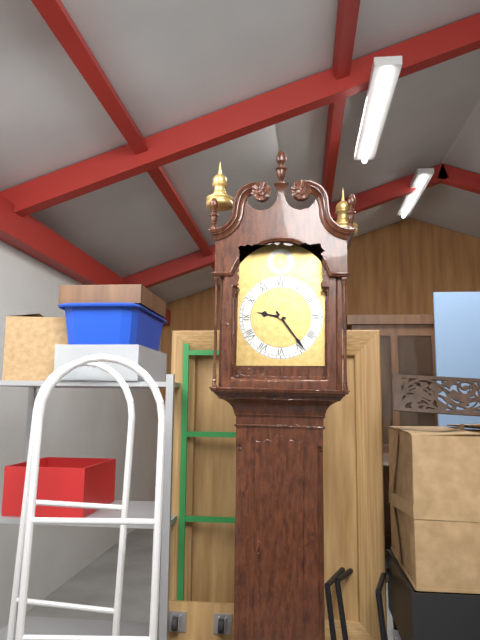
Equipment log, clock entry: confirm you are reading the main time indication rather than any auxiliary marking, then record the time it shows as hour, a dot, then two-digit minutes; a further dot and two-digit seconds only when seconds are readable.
9.24
